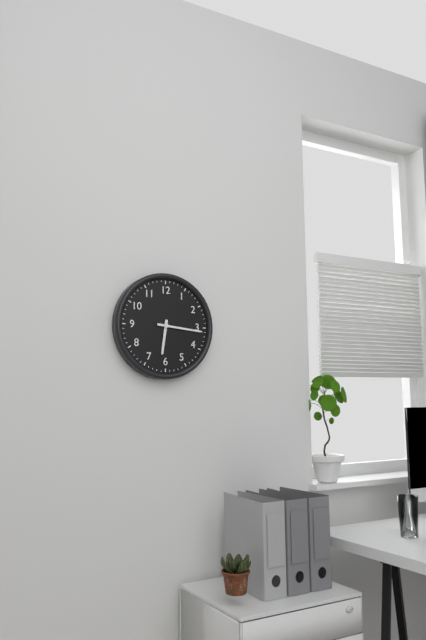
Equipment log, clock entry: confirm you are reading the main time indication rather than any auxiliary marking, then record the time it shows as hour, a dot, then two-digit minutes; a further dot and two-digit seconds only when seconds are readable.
6.16
